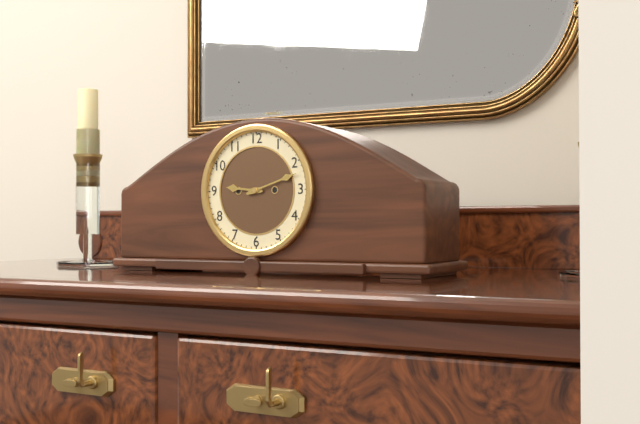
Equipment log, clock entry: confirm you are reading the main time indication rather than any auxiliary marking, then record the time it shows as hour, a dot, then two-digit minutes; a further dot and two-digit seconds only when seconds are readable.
9.12
